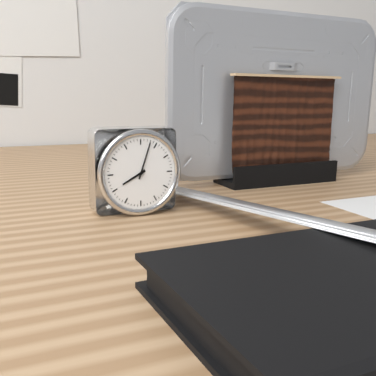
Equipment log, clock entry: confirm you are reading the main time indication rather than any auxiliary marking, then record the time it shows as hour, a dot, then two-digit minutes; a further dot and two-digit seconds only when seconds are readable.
8.03
